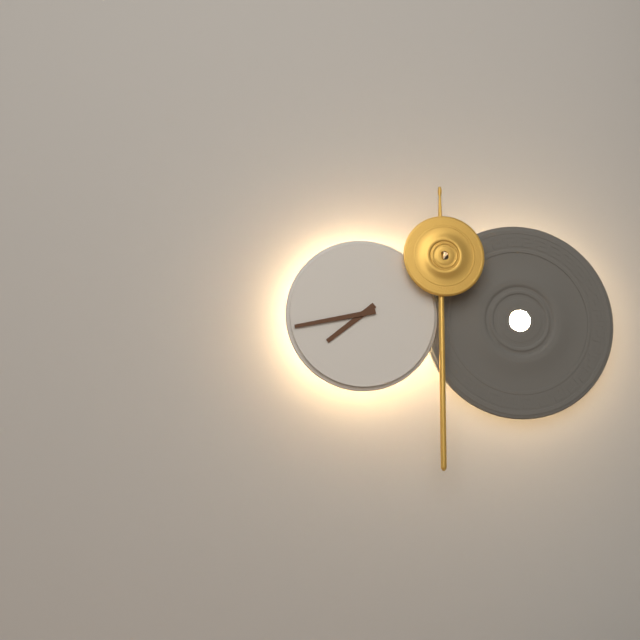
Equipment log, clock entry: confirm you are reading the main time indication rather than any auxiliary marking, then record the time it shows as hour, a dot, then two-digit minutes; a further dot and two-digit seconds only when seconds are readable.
7.43
